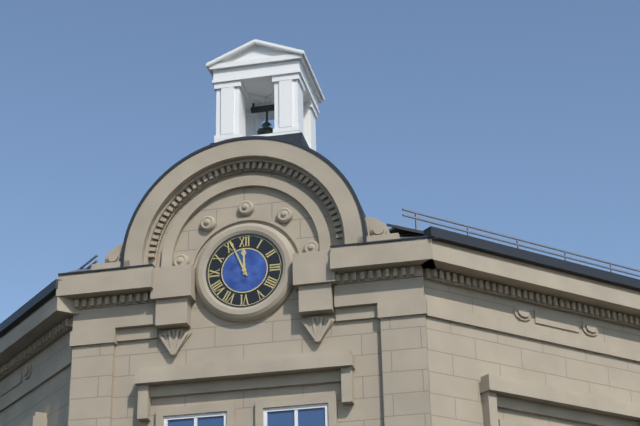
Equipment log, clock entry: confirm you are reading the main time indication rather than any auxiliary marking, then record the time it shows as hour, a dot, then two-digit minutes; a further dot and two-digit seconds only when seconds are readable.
11.56
